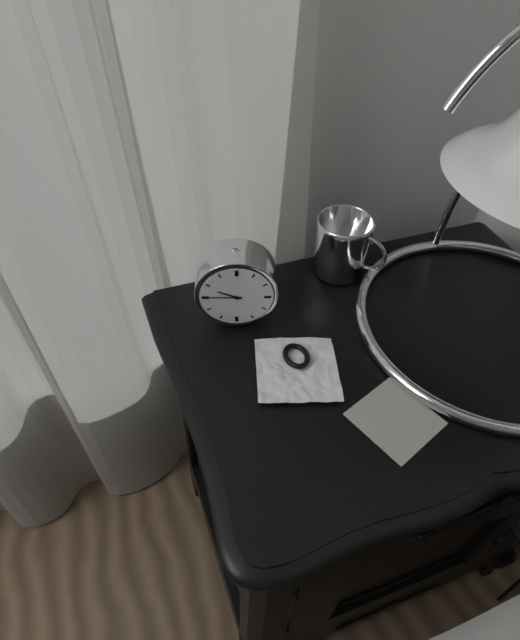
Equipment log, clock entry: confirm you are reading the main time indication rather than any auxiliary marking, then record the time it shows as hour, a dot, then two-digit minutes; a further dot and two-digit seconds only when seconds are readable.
9.45
